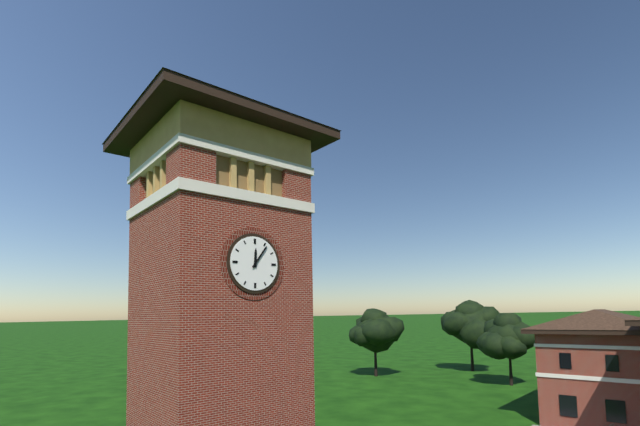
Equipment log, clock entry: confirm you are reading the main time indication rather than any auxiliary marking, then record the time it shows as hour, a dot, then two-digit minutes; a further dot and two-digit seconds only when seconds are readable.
12.06
